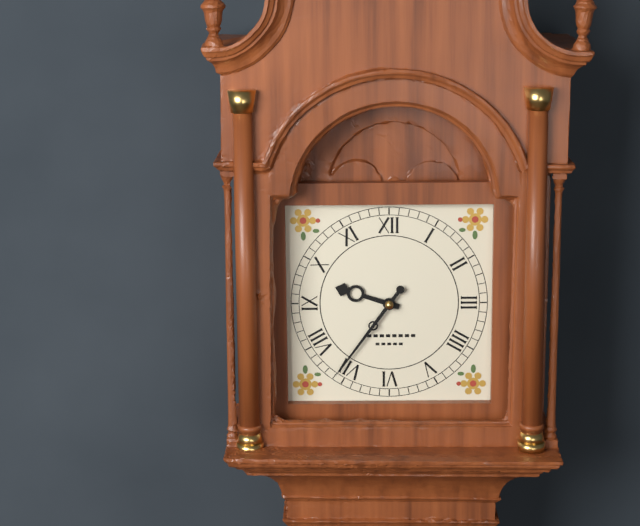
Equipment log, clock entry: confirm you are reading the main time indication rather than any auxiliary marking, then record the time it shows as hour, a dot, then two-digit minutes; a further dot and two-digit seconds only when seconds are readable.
9.36
